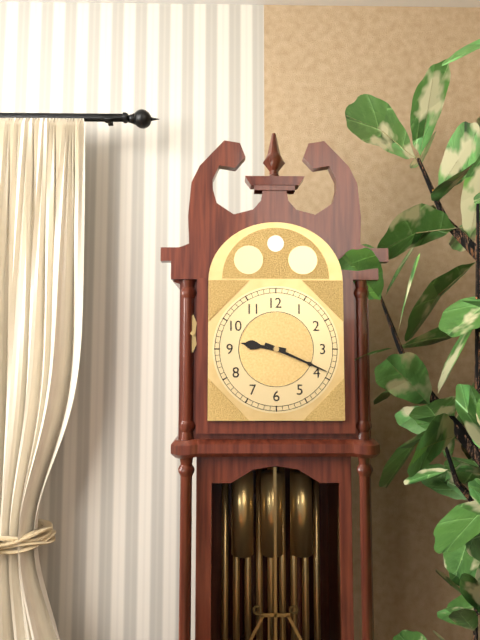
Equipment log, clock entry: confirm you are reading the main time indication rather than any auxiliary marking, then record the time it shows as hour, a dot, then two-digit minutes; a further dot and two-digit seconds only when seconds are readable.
9.19
